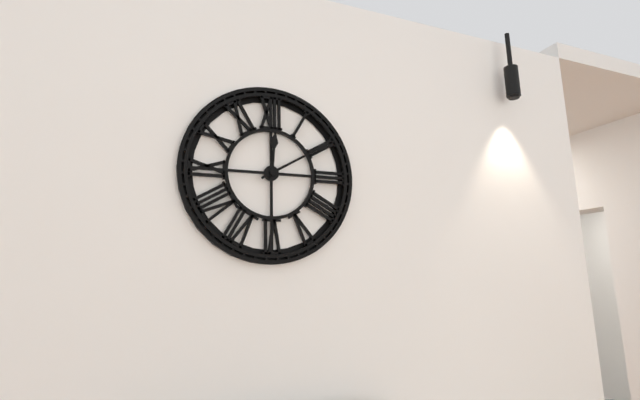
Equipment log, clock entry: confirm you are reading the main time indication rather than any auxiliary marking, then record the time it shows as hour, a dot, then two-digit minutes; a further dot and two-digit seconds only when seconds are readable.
12.10
